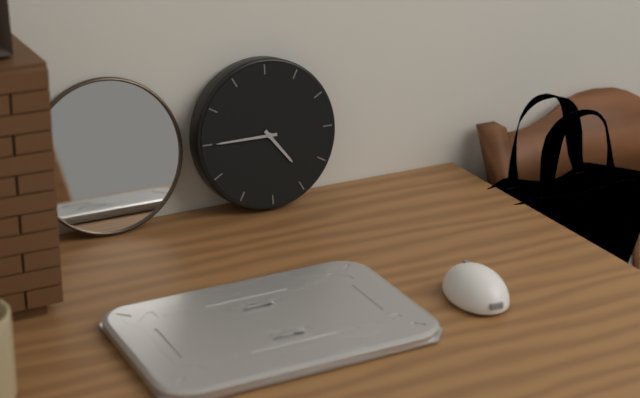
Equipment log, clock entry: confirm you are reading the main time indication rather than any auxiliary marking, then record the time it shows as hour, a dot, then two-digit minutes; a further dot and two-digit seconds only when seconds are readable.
4.45
